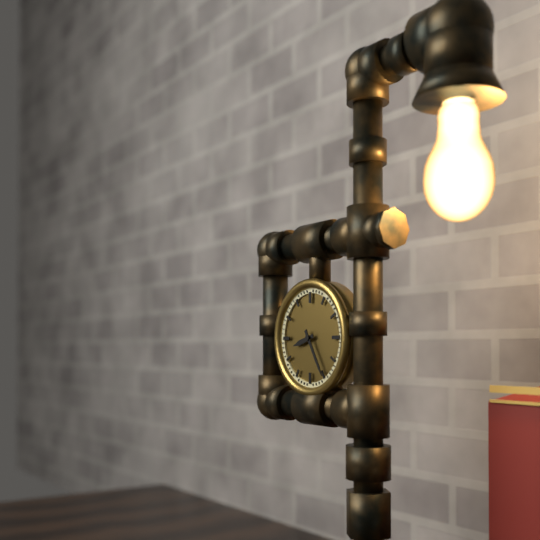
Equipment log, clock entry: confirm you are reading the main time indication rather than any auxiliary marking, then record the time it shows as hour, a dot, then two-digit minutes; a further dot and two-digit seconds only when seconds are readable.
8.25
